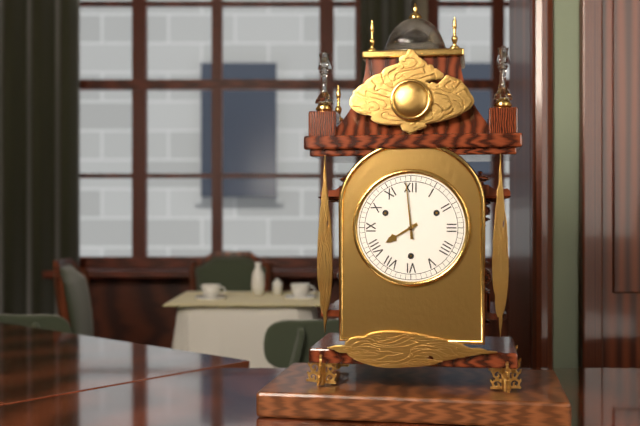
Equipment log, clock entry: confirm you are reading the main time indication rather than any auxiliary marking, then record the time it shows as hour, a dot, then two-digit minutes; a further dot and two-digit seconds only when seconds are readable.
7.59
